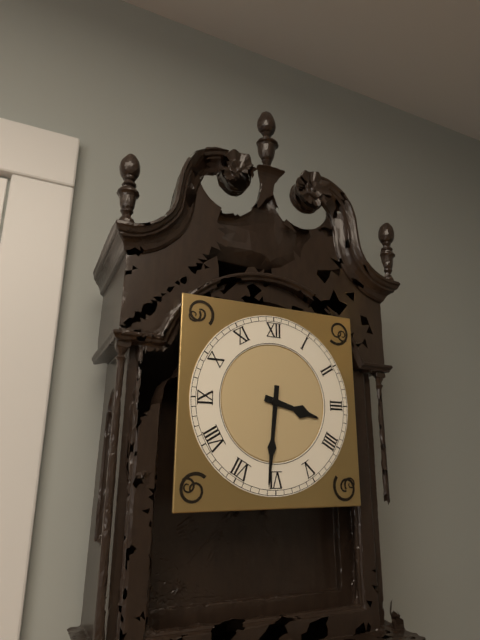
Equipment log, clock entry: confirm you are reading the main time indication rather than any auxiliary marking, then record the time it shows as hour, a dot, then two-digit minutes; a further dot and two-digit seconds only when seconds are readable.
3.31
